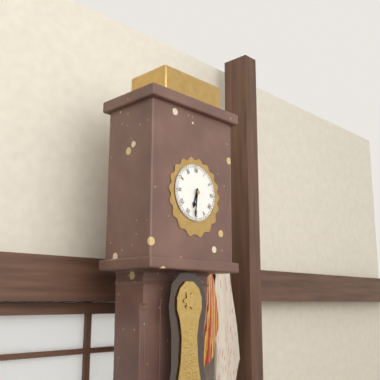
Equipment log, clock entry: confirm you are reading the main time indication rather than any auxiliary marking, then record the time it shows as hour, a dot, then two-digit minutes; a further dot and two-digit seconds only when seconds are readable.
6.31
